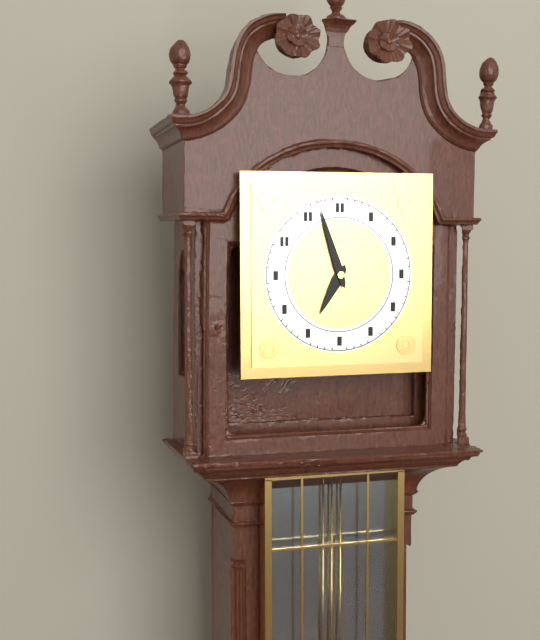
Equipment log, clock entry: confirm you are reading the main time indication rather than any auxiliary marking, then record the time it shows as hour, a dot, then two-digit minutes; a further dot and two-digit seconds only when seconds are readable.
6.57
